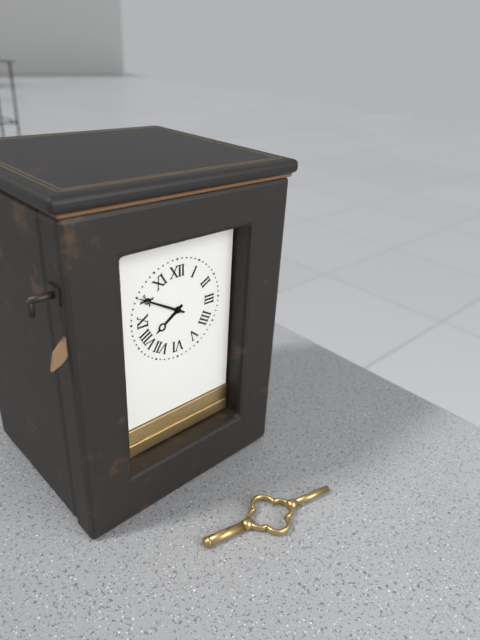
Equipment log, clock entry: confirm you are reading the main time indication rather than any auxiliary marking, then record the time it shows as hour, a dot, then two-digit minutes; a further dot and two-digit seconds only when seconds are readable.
7.50
